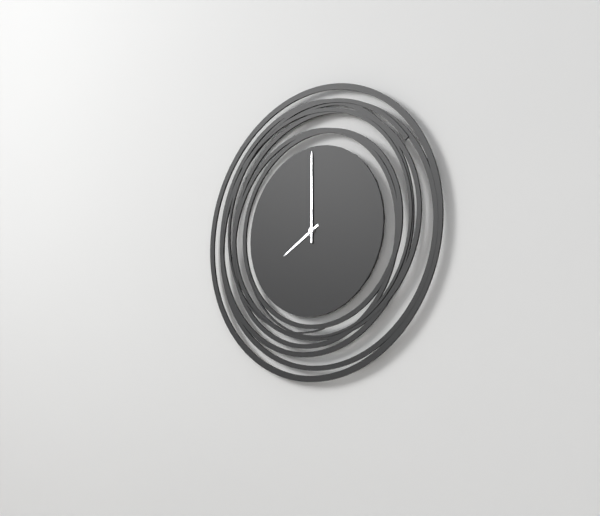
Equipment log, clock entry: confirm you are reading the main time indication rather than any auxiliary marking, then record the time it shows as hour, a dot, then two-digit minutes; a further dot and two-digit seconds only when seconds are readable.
8.00
